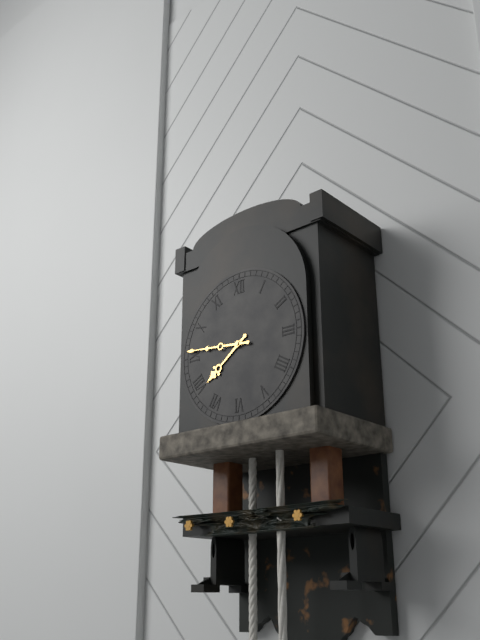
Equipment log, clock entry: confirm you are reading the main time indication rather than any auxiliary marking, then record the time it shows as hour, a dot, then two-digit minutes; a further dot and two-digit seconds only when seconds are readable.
7.46
